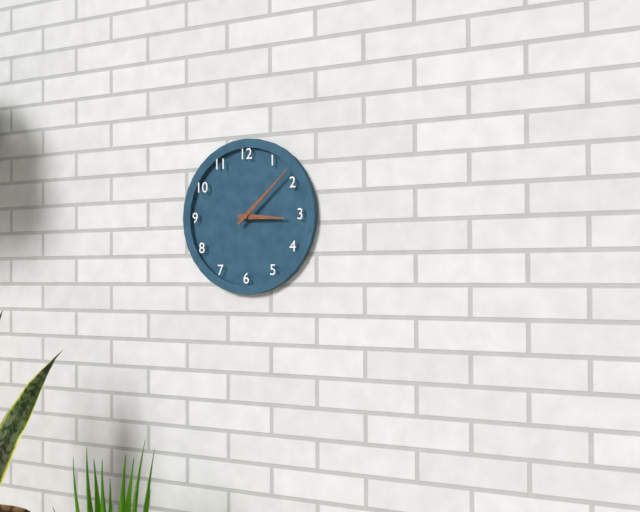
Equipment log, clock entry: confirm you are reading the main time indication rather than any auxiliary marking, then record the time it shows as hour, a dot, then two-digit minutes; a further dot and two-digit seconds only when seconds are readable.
3.08
